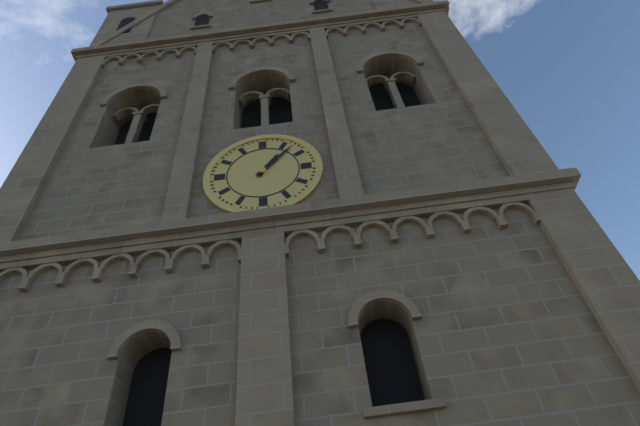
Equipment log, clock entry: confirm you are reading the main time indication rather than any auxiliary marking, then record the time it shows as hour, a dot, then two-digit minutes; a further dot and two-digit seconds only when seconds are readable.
1.07
